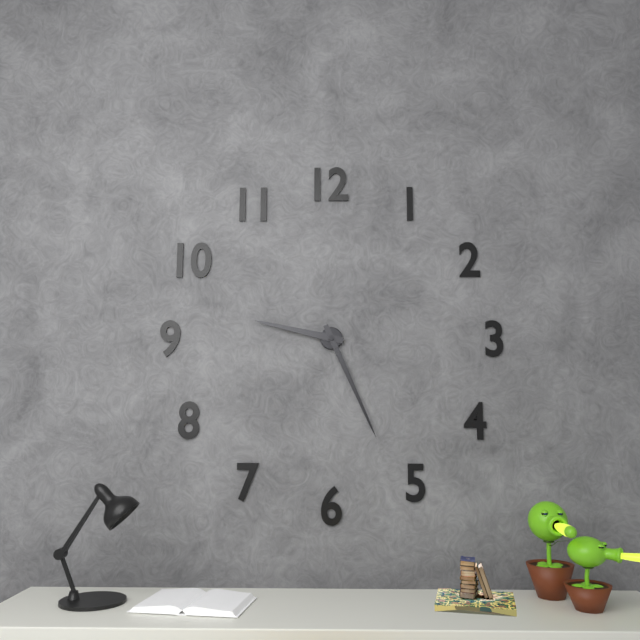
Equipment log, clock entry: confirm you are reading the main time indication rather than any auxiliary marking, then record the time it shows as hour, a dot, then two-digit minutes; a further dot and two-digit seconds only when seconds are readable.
9.26
